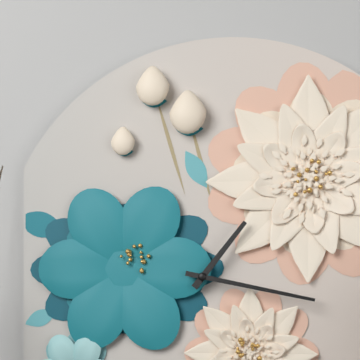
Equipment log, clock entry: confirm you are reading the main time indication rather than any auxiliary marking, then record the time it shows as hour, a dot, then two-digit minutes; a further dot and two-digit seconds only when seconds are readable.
1.17
